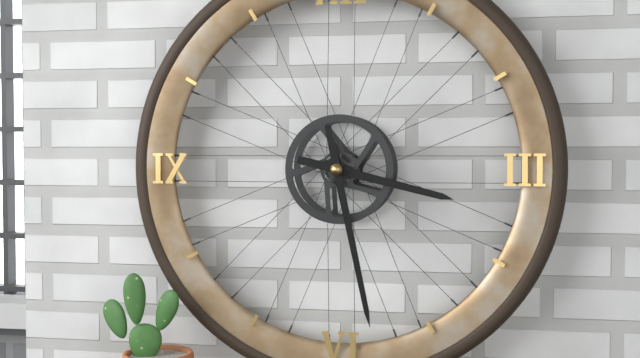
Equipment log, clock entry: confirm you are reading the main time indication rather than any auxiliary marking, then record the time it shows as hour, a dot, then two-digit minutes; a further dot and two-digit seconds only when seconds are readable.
3.28
